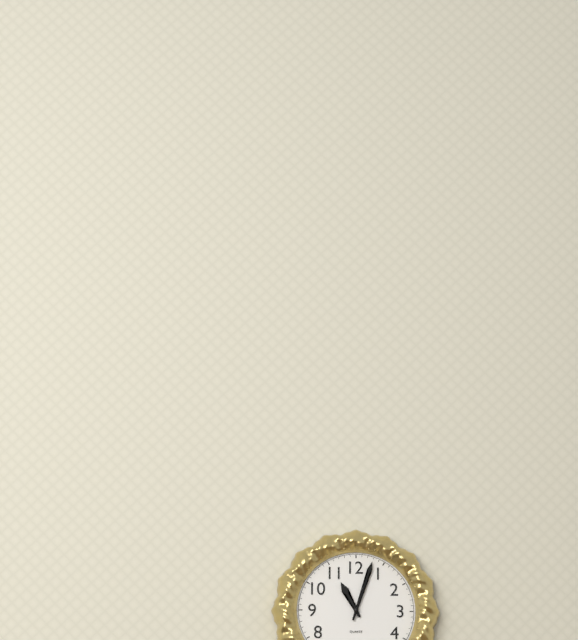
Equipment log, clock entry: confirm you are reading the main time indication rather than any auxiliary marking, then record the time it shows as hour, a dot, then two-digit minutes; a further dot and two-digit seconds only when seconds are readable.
11.03
